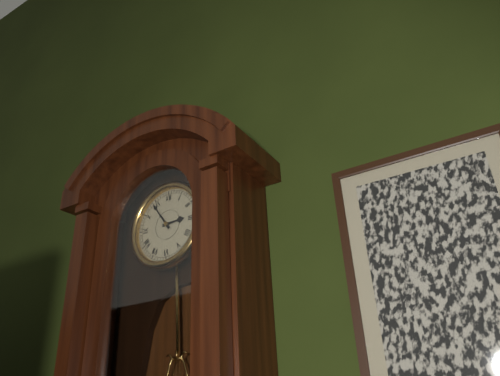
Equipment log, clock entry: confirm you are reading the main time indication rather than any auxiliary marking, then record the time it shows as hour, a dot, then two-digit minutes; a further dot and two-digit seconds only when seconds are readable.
2.54
